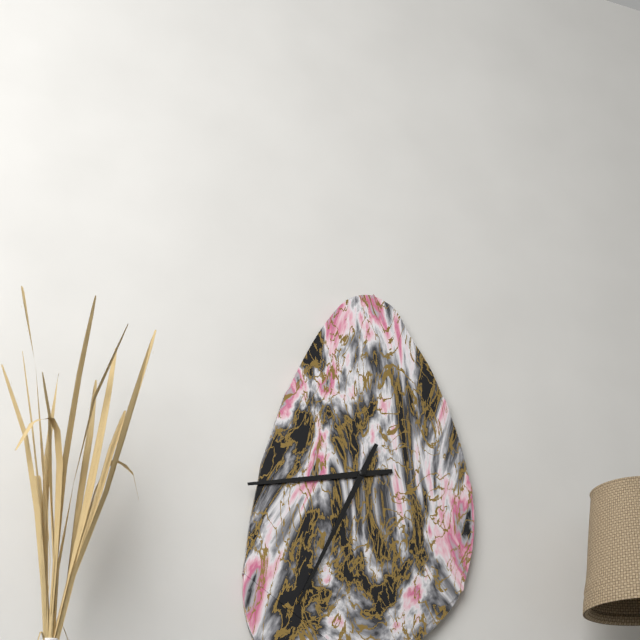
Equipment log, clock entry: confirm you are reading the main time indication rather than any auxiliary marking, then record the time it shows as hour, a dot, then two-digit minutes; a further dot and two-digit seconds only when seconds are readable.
8.34
